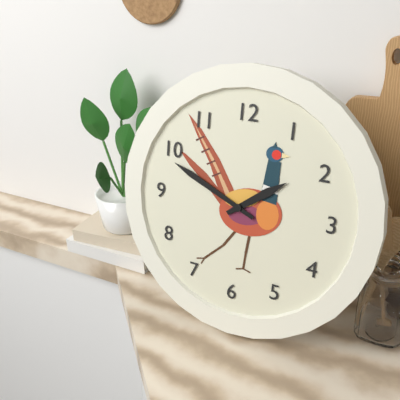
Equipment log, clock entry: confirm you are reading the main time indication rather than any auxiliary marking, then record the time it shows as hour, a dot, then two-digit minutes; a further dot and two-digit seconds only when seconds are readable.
1.49
